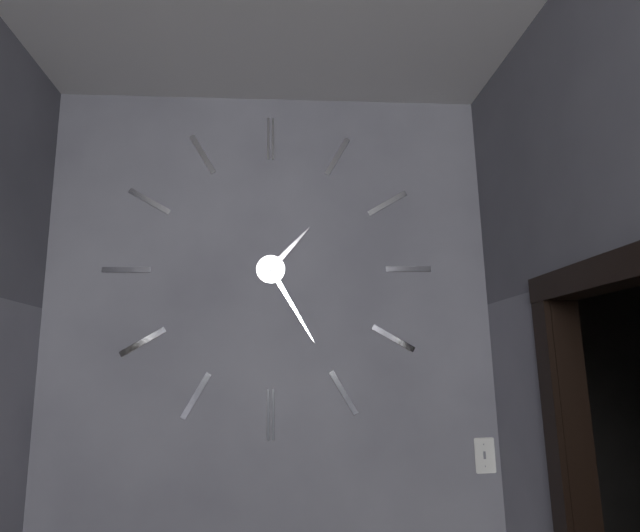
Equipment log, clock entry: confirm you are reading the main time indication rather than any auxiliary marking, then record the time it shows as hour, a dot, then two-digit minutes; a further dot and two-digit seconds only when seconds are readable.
1.25
